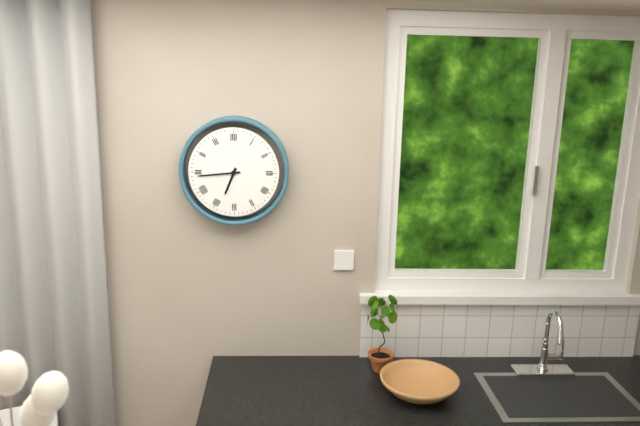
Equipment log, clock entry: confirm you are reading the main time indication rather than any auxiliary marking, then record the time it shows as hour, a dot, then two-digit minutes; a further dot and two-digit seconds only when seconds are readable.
6.44
